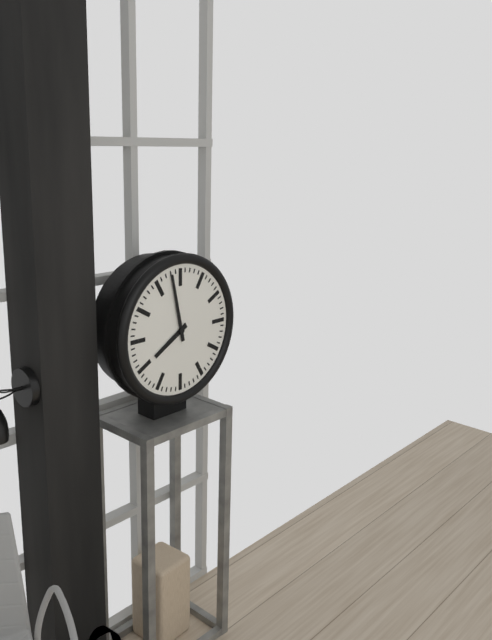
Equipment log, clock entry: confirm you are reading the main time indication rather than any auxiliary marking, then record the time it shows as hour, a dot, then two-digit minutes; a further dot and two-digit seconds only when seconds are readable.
7.58
